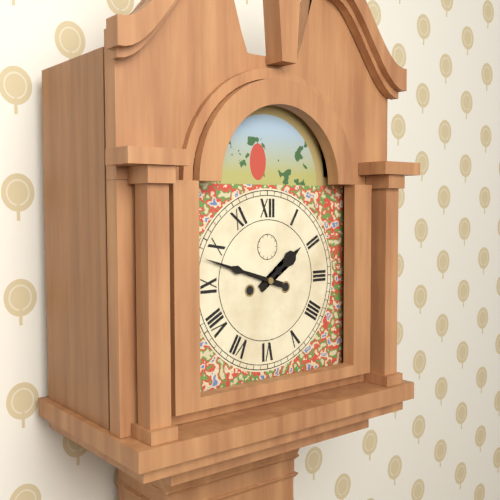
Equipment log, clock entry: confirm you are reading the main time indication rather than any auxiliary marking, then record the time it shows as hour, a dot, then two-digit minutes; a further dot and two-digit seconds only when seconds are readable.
1.48
